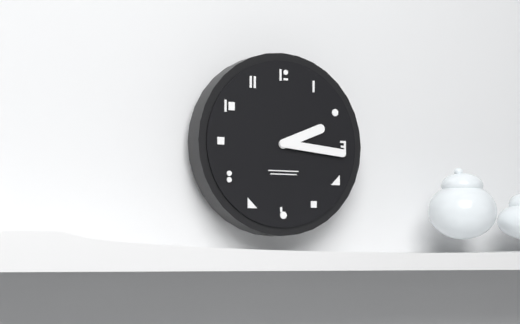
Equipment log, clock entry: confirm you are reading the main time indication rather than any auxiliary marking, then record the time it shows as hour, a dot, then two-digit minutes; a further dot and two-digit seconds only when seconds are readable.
2.16
